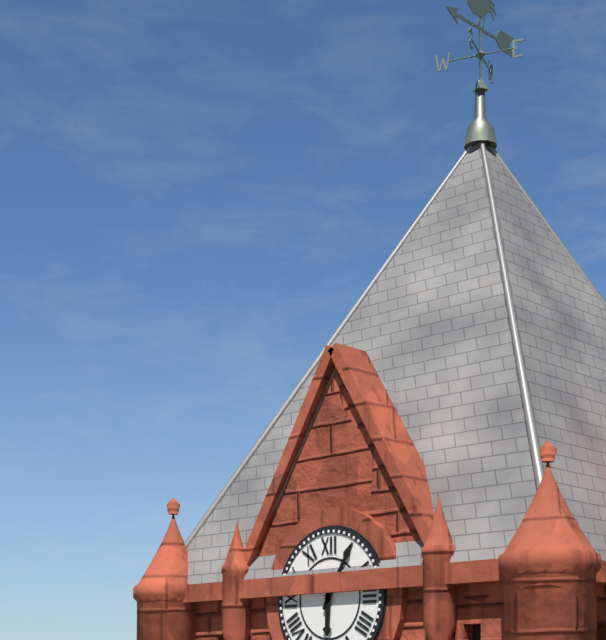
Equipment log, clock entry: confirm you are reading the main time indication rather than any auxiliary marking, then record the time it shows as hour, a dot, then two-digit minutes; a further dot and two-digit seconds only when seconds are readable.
6.05
